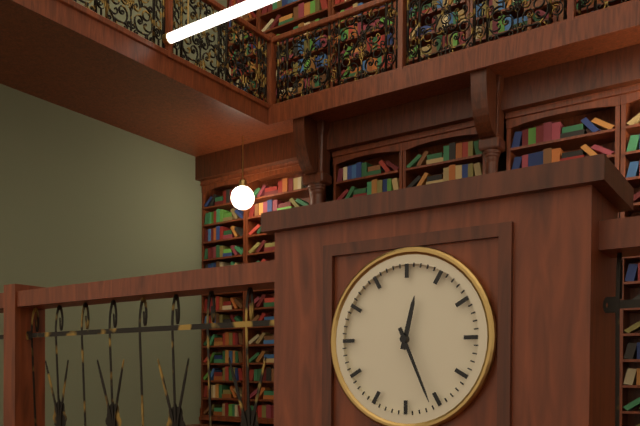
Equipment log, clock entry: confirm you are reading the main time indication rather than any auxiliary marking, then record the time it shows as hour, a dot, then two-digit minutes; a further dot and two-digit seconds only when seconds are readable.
12.26
